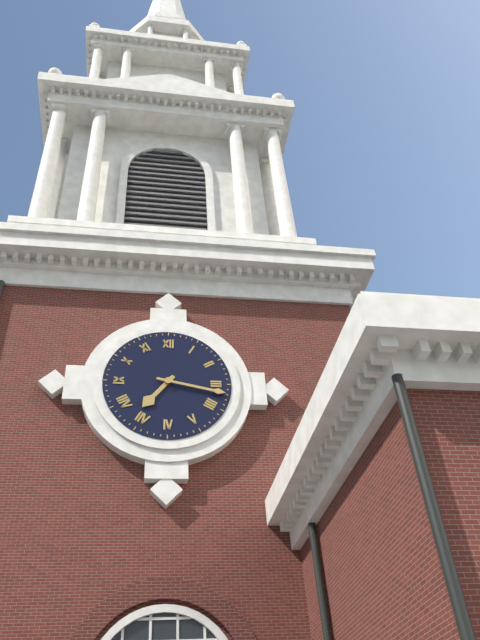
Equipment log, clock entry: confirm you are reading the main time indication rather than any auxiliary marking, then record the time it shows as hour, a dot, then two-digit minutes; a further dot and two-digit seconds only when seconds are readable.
7.17
